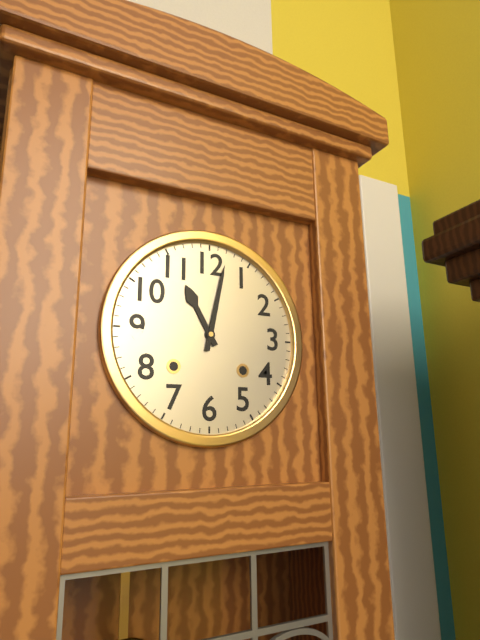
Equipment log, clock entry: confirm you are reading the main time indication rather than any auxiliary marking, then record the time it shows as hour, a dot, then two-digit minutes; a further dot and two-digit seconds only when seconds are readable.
11.02
